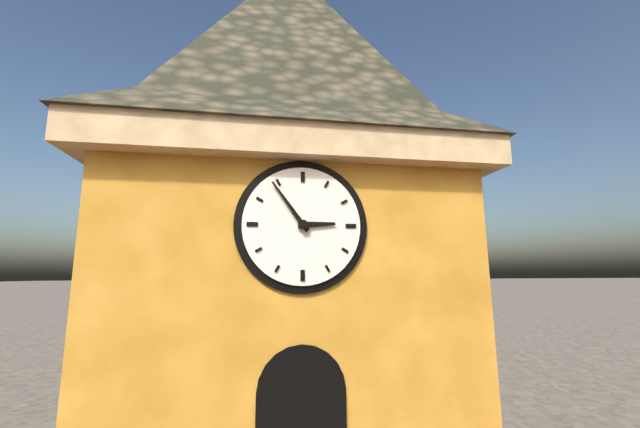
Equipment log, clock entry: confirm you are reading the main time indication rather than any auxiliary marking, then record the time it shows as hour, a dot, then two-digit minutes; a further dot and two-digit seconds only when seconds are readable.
2.54
